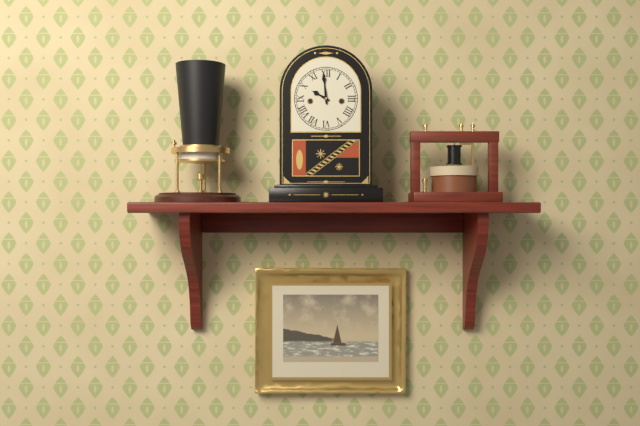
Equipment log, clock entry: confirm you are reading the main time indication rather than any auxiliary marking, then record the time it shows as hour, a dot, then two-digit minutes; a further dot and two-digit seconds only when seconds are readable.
9.59
